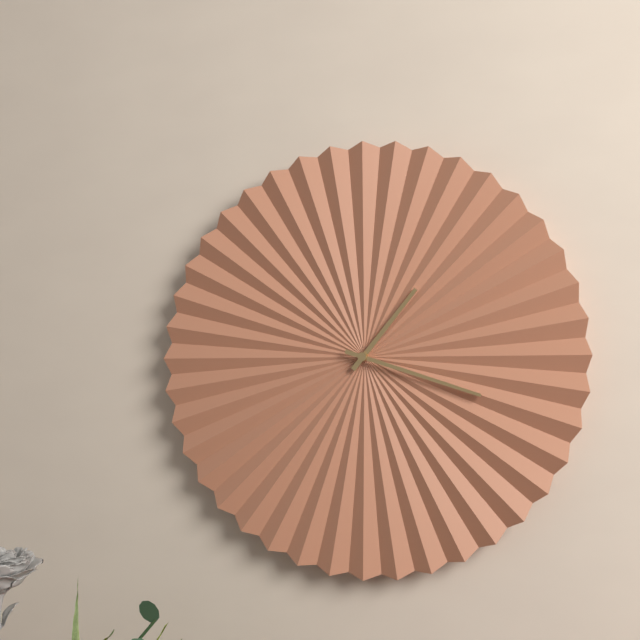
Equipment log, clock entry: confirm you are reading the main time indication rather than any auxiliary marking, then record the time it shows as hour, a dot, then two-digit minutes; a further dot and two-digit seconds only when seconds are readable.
1.18
